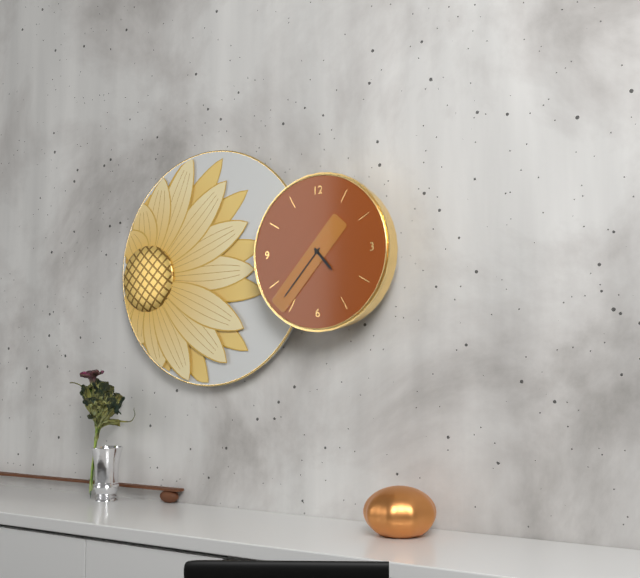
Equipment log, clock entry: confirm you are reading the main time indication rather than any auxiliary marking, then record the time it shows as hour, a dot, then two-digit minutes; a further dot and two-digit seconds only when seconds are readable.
4.37
